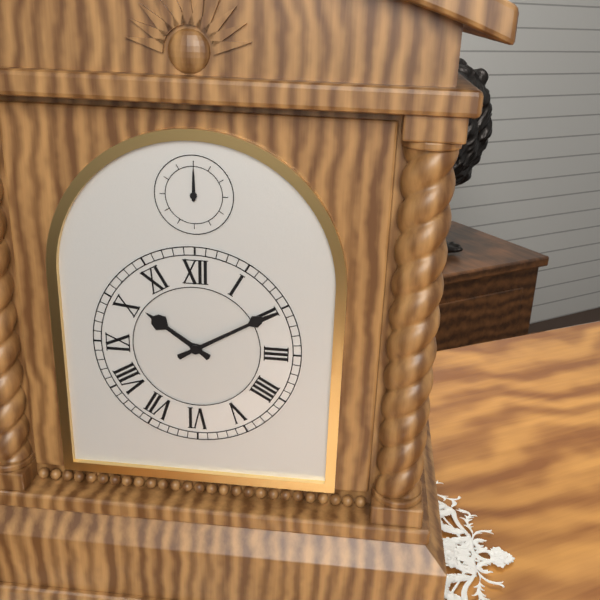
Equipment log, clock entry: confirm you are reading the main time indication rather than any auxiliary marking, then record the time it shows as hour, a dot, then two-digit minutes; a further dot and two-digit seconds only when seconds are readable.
10.10
